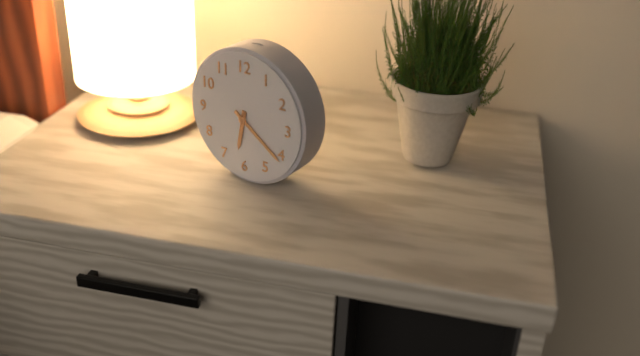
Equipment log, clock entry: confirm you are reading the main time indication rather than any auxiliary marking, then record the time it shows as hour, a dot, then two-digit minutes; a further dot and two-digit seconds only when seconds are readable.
6.21
